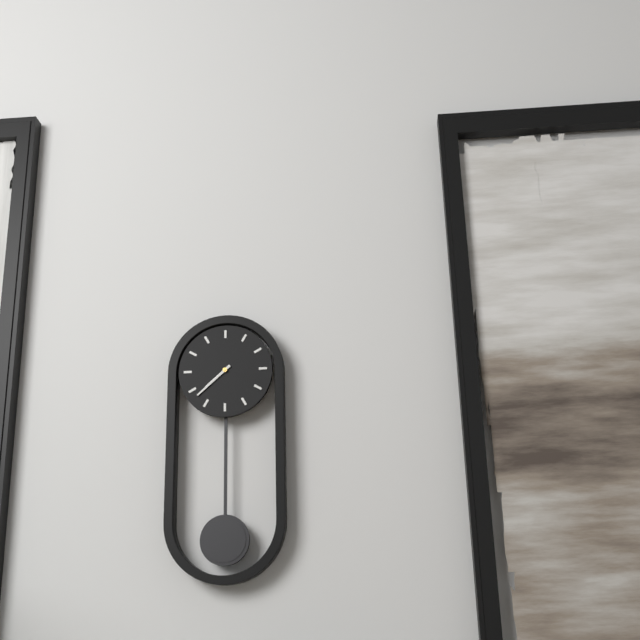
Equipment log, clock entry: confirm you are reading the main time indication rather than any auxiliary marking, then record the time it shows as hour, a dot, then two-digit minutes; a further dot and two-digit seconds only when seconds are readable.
7.38
